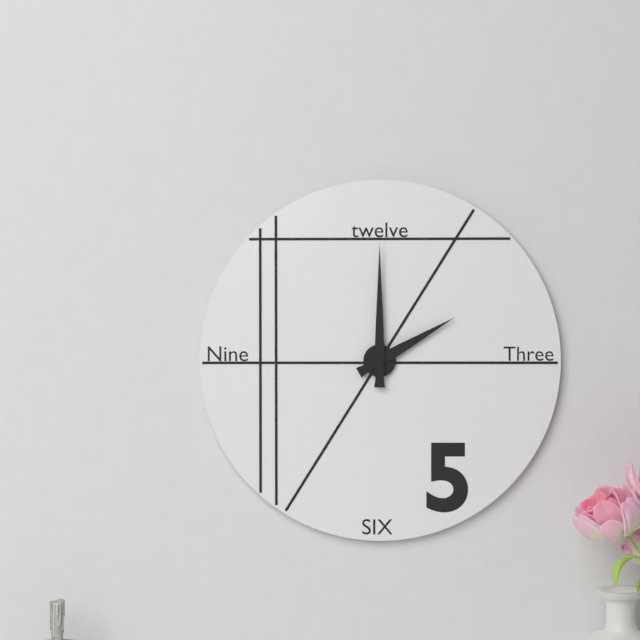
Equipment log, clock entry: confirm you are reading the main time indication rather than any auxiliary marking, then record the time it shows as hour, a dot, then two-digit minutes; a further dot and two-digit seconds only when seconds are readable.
2.00
